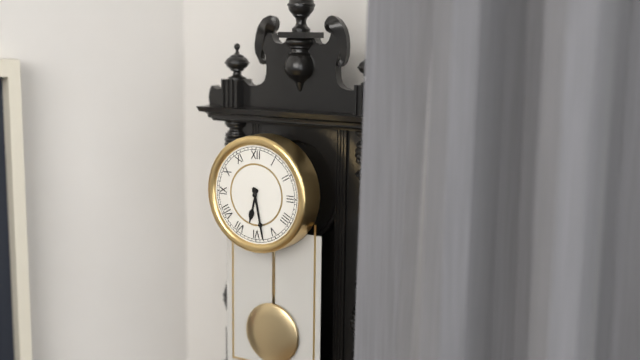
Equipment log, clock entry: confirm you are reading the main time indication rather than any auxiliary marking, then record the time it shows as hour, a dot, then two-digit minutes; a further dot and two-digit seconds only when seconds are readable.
6.28
